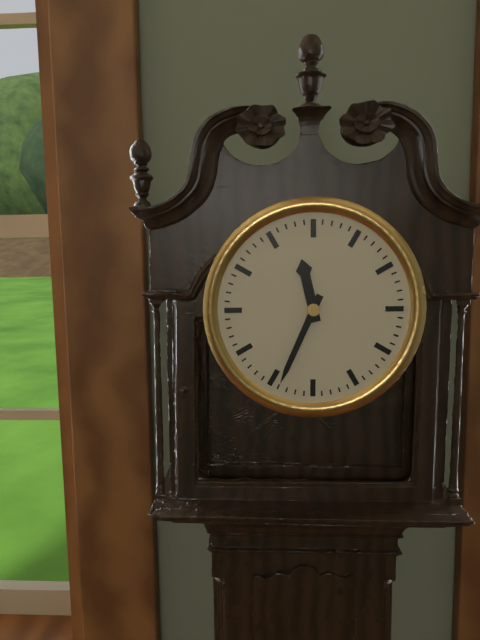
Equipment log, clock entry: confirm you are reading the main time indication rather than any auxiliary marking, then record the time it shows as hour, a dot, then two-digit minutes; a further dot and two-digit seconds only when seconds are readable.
11.34
